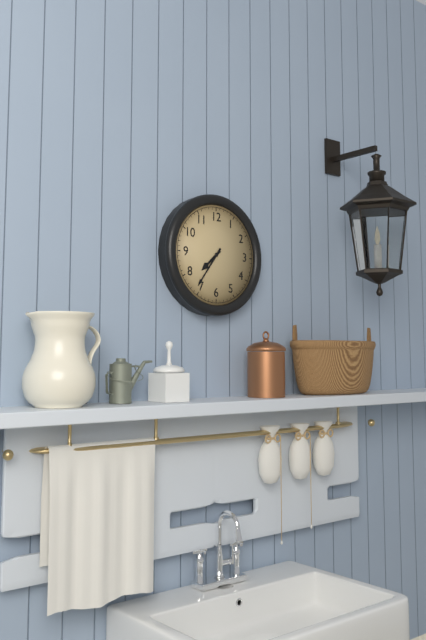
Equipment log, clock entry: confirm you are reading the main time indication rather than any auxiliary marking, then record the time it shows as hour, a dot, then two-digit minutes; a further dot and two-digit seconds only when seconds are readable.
7.36
